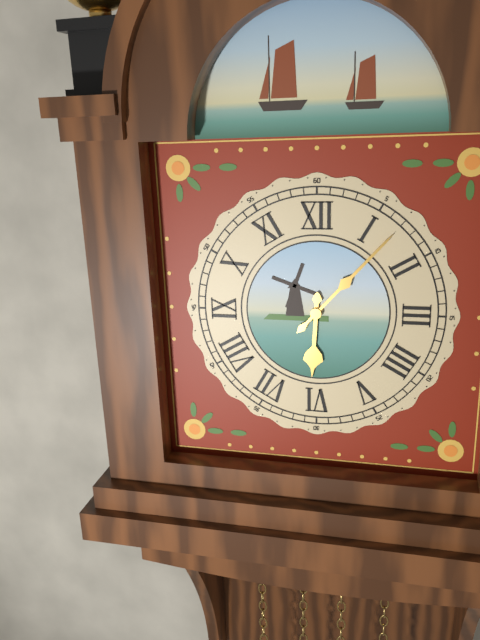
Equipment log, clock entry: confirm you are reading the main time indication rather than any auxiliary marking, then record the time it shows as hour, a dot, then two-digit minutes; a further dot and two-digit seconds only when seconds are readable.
6.07
